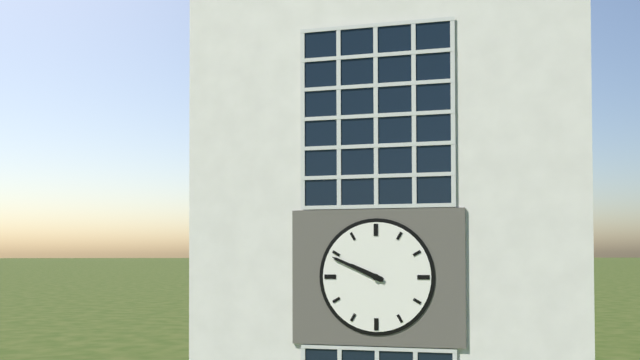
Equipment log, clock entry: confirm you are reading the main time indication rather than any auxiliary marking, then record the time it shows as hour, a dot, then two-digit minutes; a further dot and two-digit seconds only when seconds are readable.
9.49
